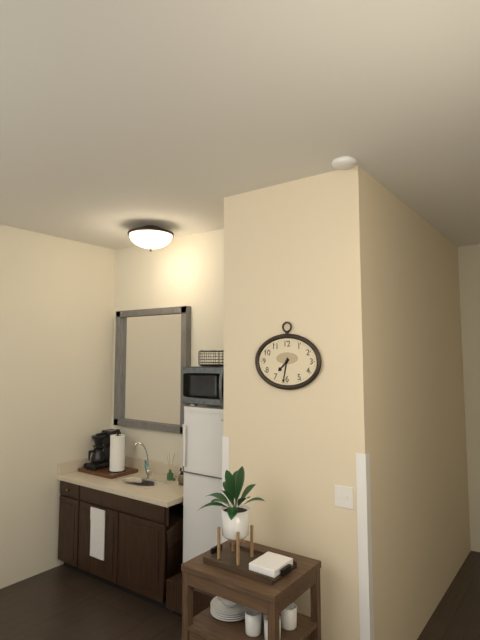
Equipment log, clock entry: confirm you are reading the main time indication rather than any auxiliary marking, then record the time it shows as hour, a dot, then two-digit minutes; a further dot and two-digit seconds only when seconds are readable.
7.32
